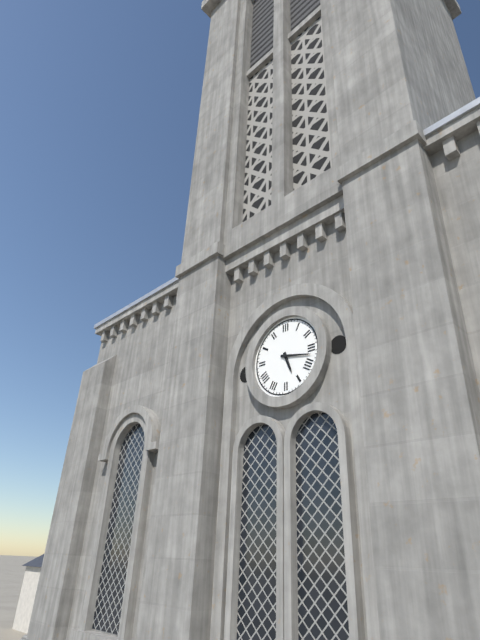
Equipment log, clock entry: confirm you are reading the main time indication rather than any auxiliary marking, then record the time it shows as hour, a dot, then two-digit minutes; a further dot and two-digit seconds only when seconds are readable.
5.17
